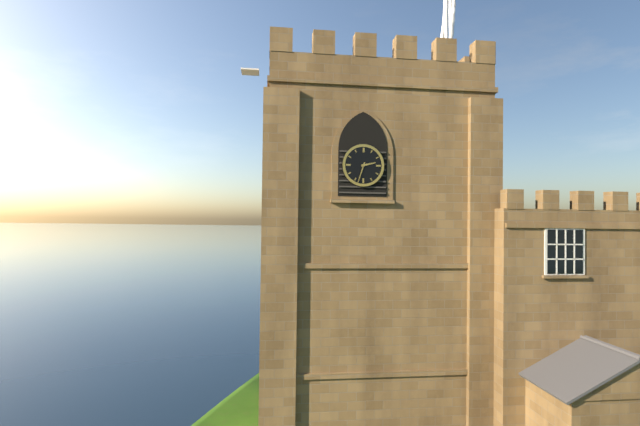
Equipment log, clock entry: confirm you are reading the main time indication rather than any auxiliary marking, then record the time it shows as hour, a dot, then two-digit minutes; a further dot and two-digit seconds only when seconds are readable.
2.33
